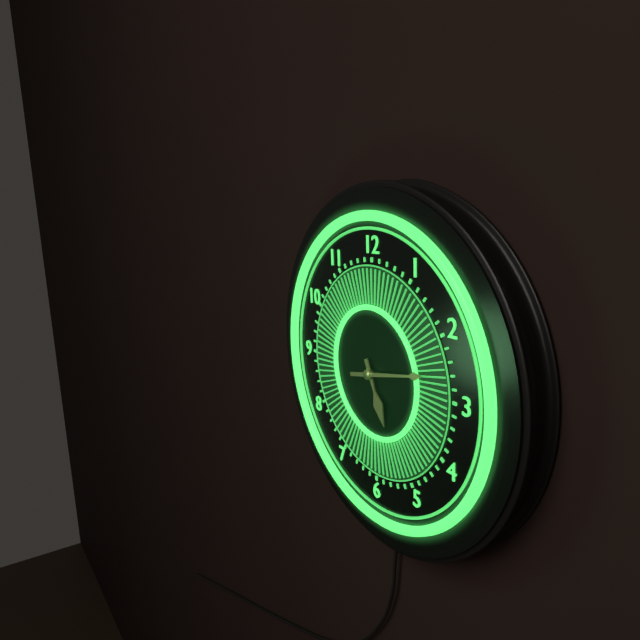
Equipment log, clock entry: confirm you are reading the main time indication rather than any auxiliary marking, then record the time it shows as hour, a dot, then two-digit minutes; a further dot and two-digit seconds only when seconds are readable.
5.13
